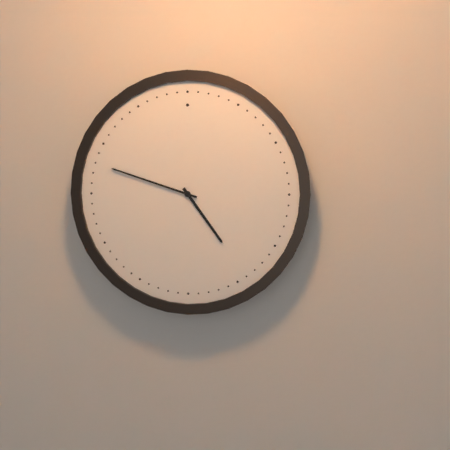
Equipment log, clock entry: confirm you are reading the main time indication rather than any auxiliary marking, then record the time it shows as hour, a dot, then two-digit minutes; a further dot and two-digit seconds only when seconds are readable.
4.48
